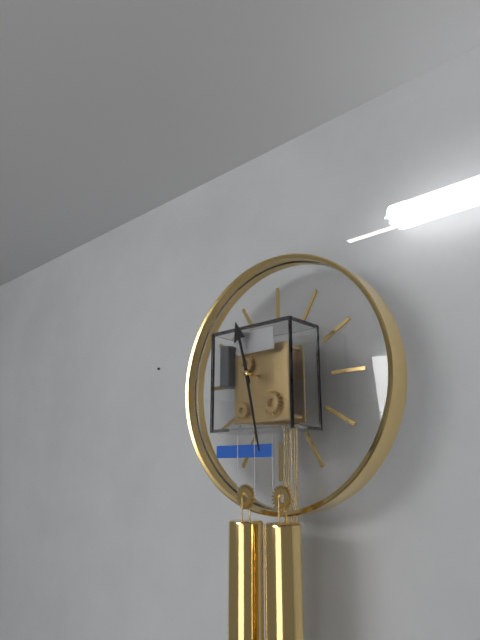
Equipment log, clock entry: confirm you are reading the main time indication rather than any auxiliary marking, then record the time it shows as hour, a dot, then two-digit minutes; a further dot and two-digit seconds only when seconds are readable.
11.28
